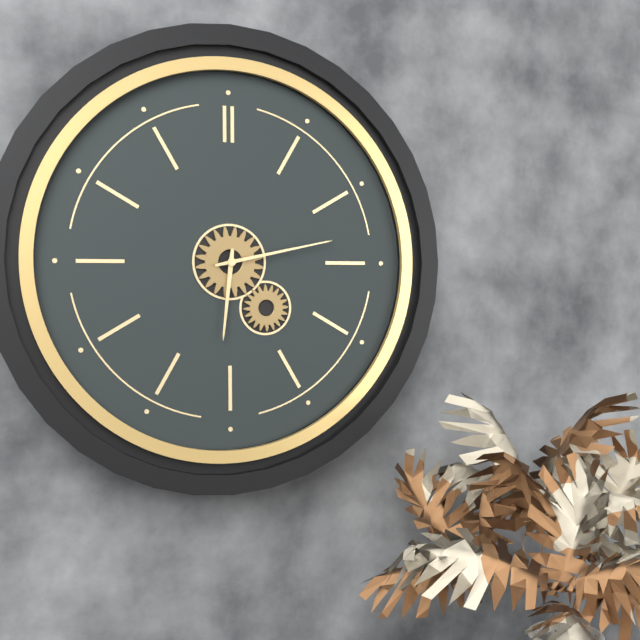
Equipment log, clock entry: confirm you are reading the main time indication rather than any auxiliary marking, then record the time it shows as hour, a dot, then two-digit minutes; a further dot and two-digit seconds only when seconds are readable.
6.13
